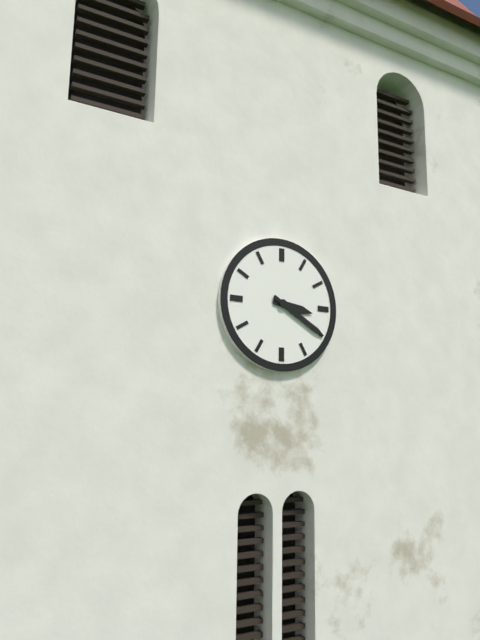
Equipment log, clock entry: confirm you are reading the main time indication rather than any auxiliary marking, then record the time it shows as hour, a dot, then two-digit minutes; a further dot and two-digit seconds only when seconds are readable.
3.20
